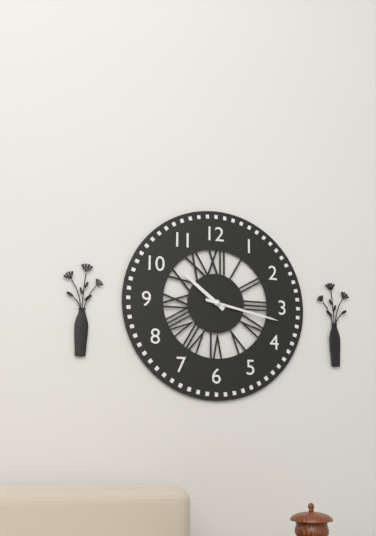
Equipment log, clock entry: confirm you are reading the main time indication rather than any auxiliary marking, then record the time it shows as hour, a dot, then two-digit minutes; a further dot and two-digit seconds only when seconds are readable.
10.17
